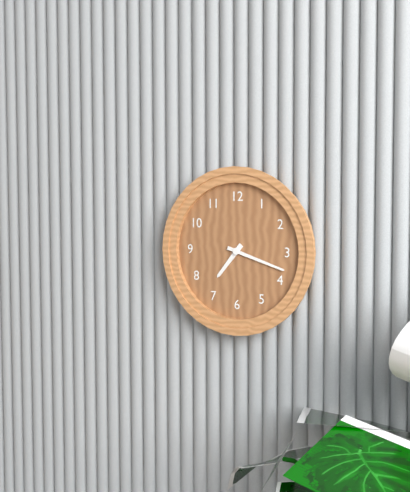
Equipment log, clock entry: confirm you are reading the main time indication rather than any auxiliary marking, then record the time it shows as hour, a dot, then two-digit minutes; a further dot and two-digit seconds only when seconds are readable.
7.18
